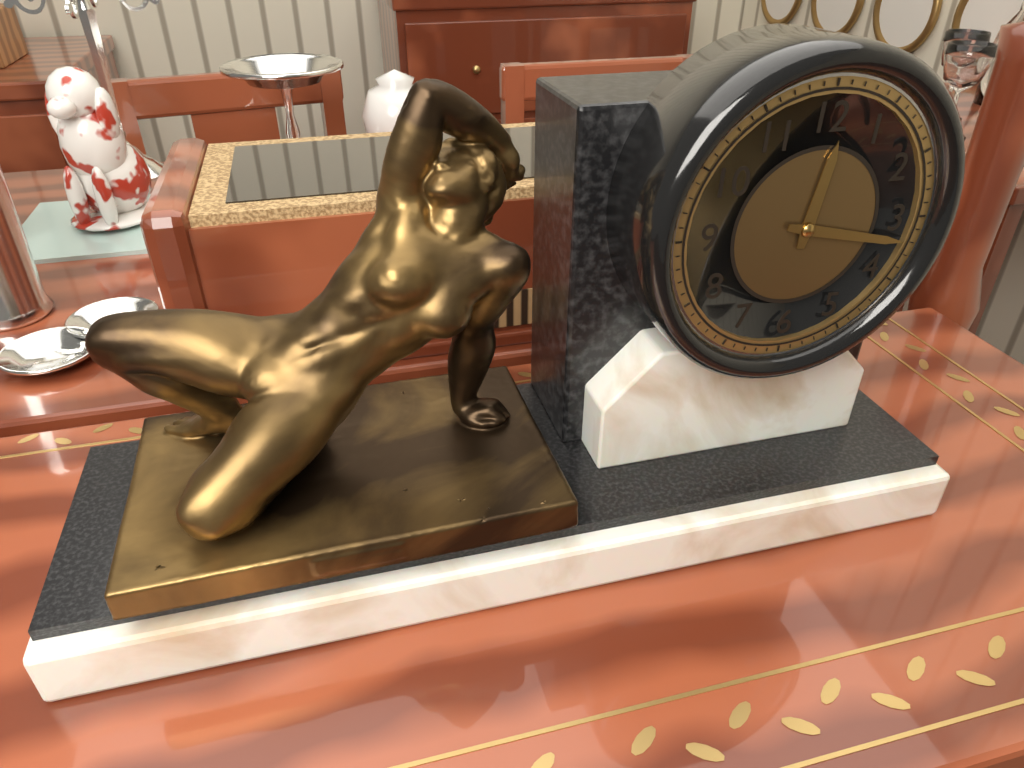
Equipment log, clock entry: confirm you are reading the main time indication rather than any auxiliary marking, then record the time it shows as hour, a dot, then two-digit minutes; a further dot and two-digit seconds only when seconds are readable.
12.17
